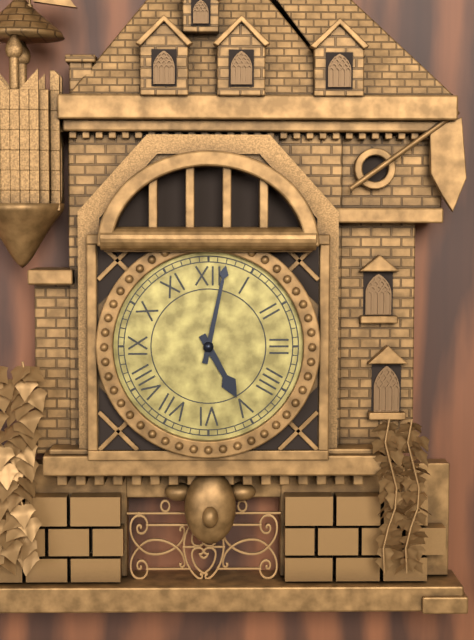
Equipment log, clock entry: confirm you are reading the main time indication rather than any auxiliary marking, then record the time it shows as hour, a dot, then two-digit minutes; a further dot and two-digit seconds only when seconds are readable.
5.02
